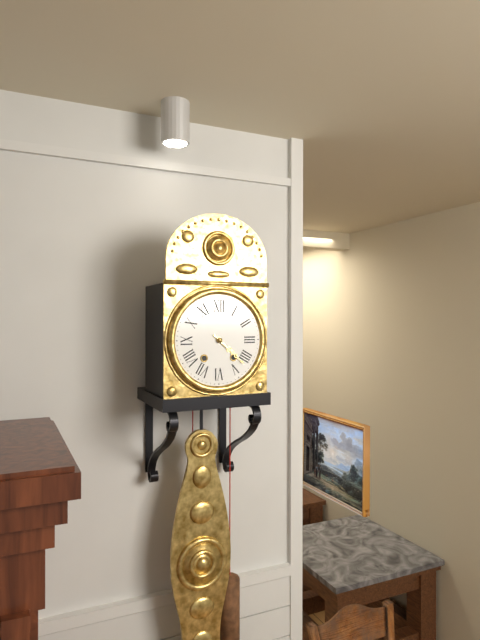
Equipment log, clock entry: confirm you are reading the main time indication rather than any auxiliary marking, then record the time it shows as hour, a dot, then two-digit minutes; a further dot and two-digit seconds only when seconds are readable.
4.22
